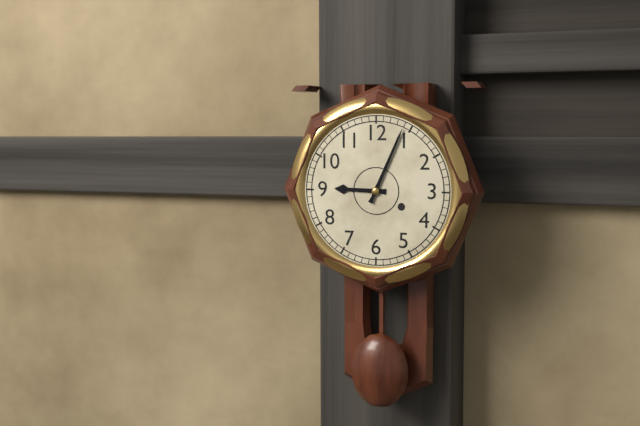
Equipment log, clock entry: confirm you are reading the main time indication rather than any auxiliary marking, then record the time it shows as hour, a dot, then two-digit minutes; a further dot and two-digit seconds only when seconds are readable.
9.04
